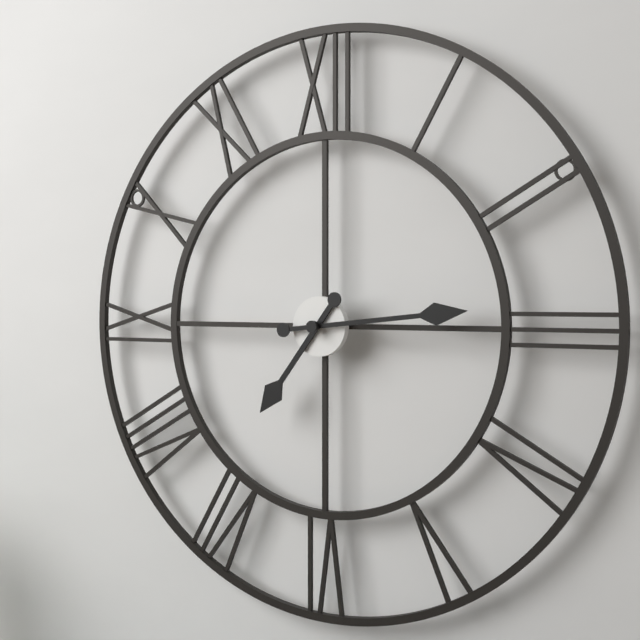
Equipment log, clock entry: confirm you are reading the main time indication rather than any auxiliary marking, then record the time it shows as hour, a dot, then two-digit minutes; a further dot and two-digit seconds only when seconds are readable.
7.14
